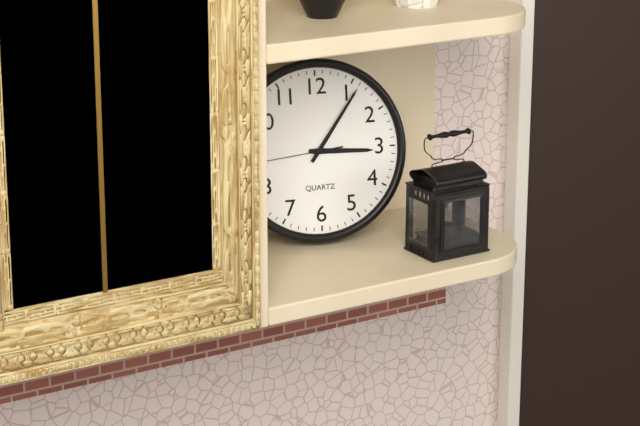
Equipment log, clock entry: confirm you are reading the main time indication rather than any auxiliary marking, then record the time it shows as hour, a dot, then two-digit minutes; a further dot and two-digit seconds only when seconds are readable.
3.06
